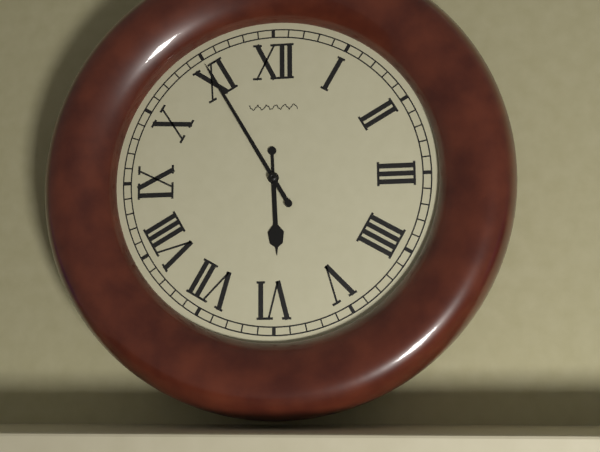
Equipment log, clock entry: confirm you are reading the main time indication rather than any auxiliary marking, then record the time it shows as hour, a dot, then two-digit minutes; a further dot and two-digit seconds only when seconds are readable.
5.55
